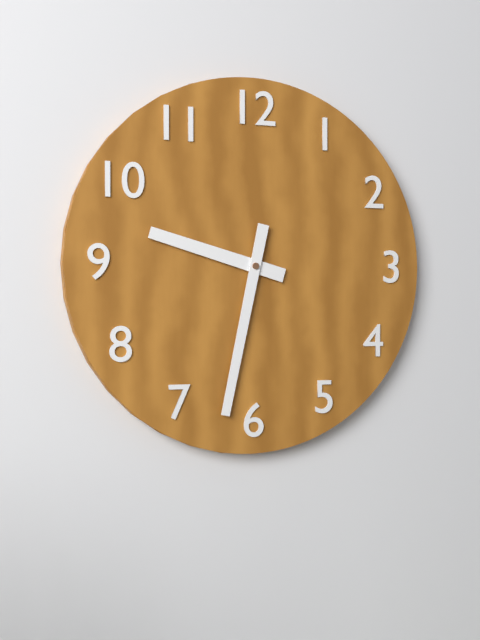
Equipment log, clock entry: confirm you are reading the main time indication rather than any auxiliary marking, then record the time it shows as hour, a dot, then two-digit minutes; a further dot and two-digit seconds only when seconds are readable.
9.32
